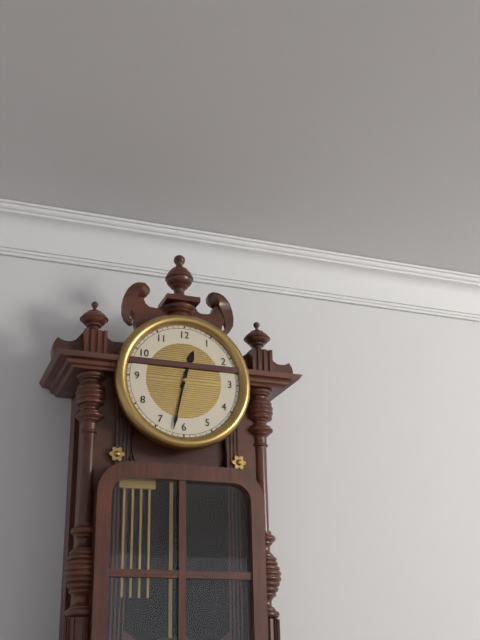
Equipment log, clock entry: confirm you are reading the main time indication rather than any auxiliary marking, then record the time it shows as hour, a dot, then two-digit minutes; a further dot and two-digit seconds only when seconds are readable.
12.32
